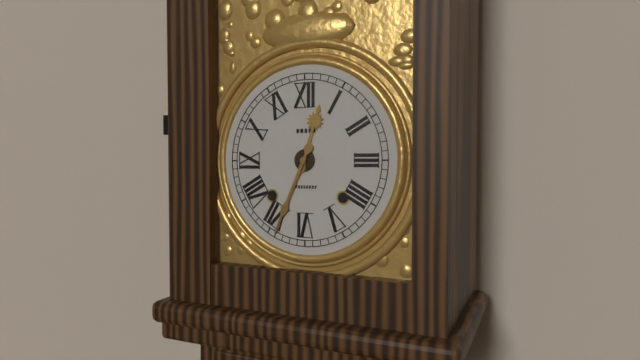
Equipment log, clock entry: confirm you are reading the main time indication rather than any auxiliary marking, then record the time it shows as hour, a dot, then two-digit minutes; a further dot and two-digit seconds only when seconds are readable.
12.34
